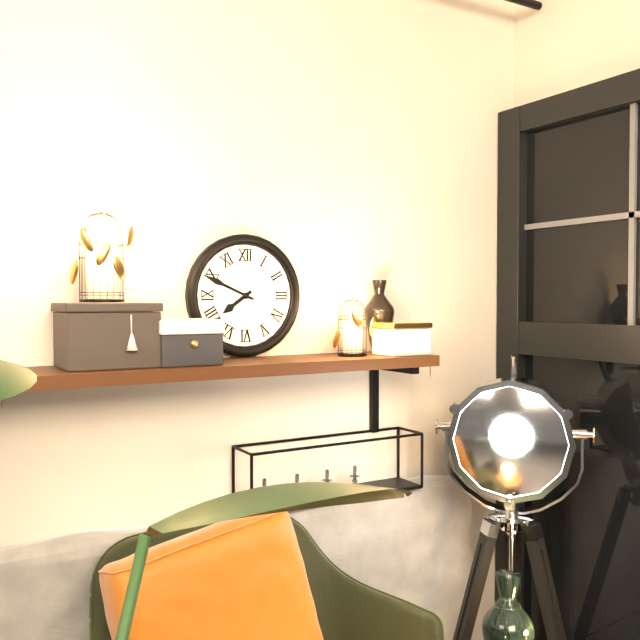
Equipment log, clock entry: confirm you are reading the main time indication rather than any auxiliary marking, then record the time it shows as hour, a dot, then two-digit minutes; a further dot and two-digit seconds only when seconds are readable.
7.49
